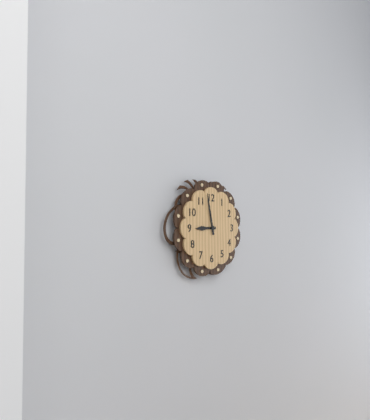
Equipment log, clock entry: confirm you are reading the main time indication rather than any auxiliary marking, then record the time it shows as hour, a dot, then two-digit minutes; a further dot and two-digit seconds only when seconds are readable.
8.58
